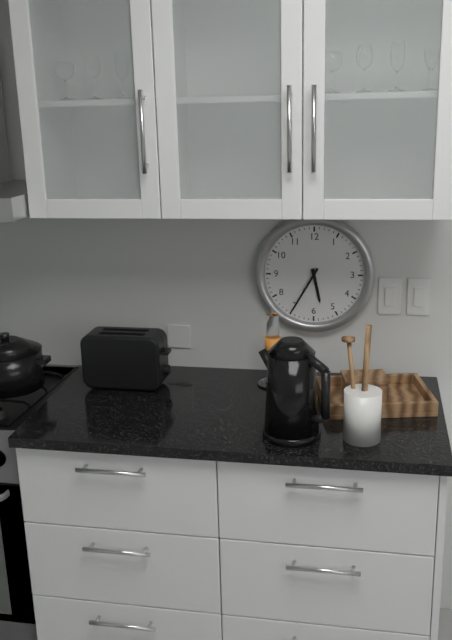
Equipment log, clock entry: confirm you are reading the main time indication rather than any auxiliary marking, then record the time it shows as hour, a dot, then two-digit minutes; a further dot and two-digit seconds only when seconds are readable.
5.35
